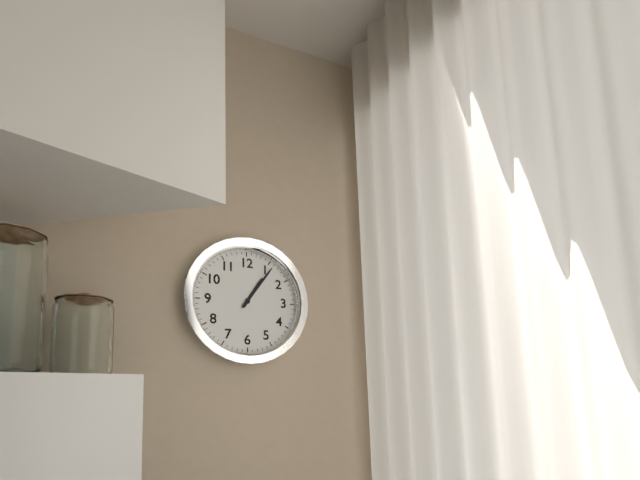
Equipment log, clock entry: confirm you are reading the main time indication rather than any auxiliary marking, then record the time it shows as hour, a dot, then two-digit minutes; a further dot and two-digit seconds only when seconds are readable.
1.06
